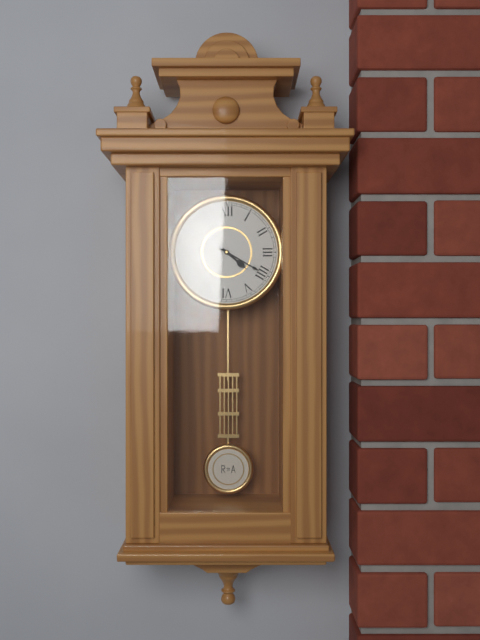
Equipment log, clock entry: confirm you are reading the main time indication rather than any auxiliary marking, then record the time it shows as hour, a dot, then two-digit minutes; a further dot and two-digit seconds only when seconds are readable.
4.20
